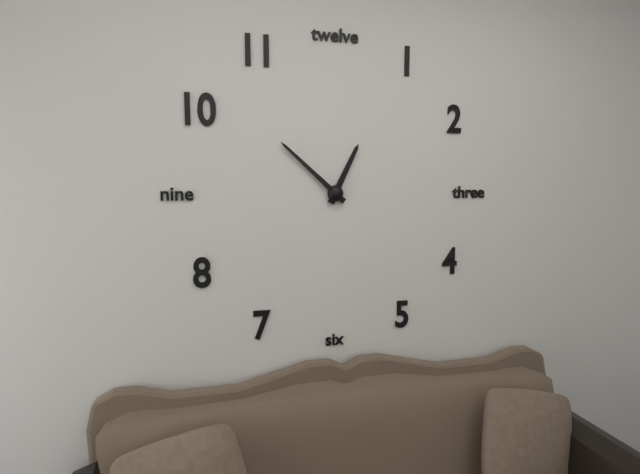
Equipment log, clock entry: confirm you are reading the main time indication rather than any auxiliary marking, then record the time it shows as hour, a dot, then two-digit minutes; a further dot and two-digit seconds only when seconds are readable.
12.52
